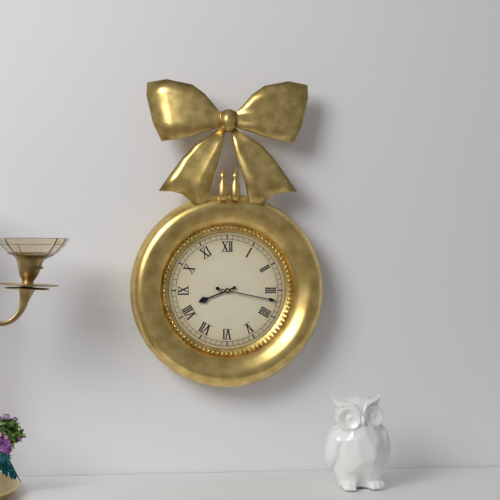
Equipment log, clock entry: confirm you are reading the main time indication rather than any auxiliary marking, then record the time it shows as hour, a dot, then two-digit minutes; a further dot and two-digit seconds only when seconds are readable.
8.17
